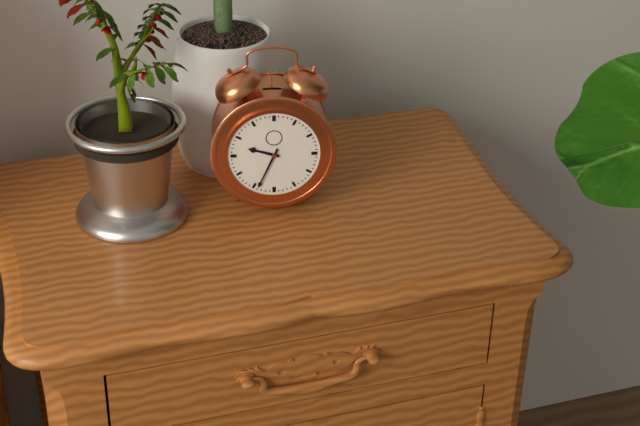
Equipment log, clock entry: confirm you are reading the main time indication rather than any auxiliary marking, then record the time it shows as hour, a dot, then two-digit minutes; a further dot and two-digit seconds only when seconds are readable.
9.34
